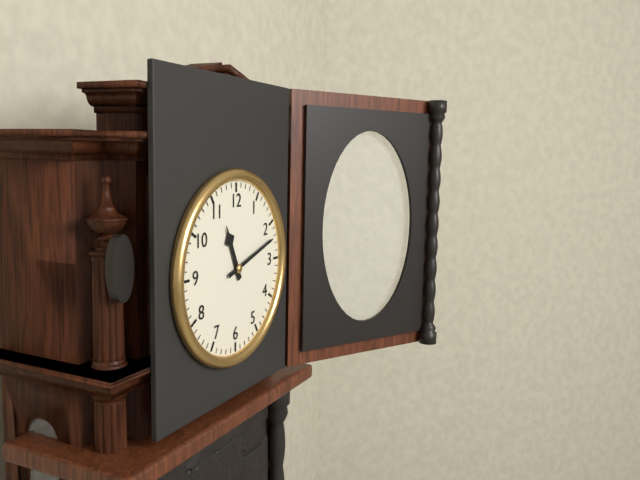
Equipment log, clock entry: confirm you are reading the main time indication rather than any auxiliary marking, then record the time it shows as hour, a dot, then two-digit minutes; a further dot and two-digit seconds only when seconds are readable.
11.12
